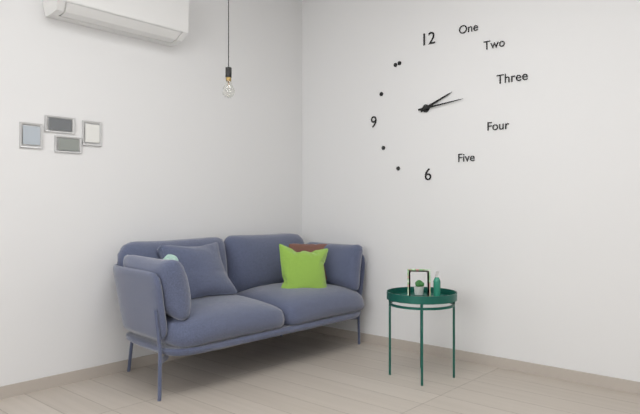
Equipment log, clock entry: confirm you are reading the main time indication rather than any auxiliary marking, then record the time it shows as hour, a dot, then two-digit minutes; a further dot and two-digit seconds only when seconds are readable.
2.14
